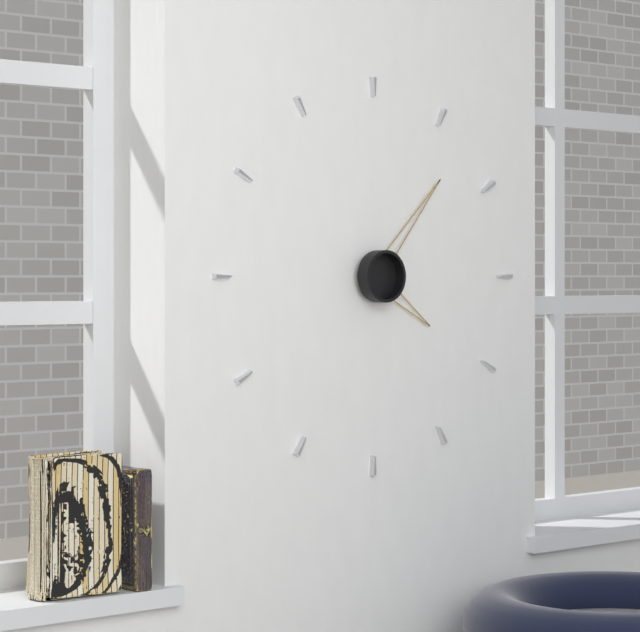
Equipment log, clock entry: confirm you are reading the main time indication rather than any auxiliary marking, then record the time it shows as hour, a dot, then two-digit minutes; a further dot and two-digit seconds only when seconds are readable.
4.07
